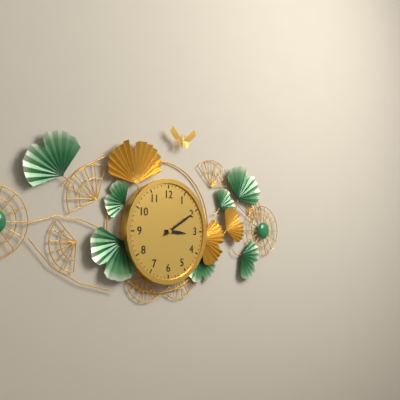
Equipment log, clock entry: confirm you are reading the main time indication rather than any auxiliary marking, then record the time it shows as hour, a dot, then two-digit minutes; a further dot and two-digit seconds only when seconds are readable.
3.10
